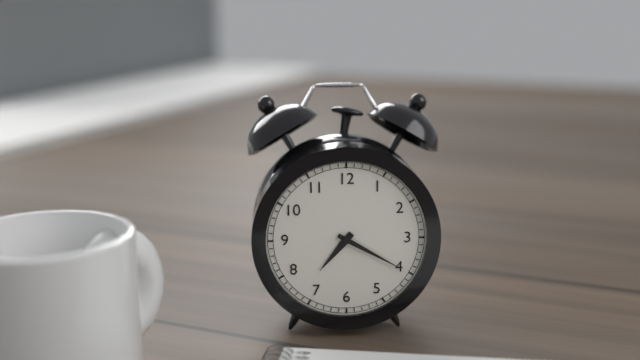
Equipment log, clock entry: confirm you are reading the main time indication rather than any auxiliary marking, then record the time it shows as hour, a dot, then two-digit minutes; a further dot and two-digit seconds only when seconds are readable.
7.20
